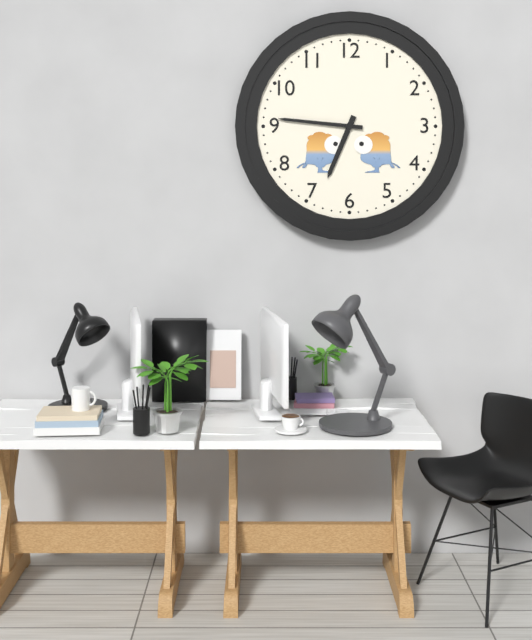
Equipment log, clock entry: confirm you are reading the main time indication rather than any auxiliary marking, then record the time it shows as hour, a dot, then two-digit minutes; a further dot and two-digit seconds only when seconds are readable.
6.46
